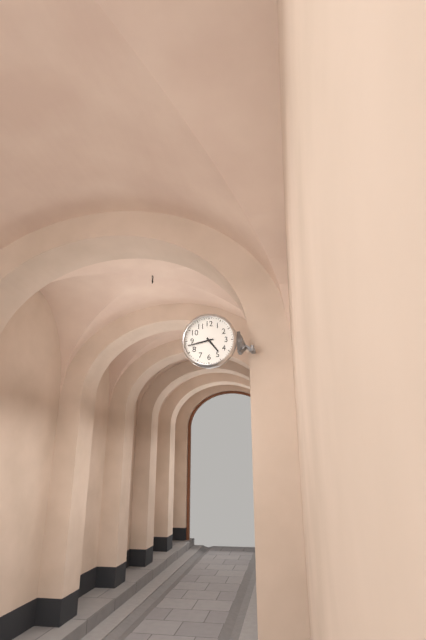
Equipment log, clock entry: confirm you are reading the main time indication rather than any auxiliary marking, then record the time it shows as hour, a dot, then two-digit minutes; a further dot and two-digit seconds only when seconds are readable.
4.43
